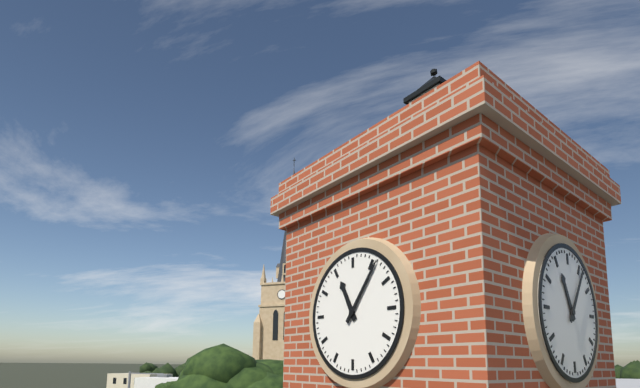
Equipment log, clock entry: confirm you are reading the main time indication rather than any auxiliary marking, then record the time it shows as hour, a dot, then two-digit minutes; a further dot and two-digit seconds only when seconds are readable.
11.06
